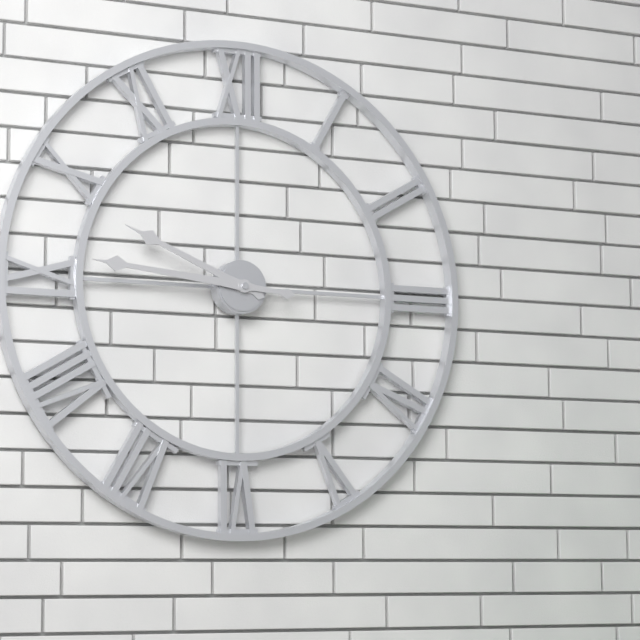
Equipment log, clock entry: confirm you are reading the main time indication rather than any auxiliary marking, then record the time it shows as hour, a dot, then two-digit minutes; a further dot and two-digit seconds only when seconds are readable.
9.46
